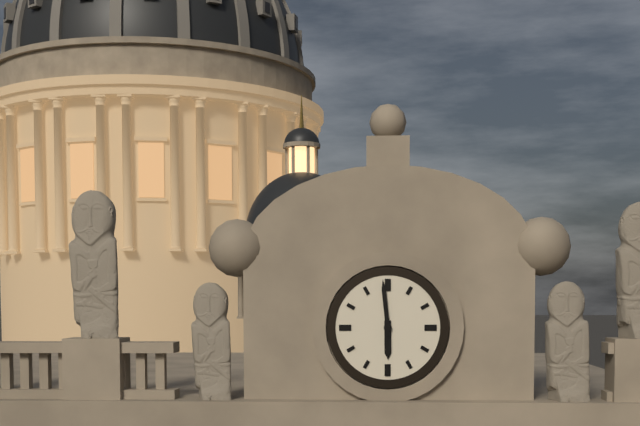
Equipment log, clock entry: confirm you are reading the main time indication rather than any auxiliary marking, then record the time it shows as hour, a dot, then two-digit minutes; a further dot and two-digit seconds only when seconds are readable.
5.59
